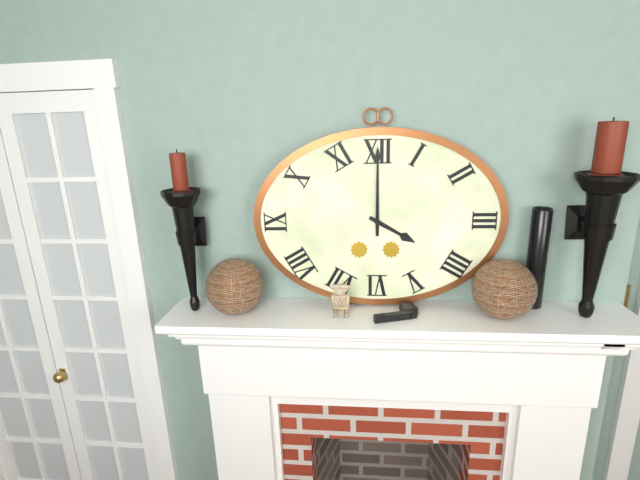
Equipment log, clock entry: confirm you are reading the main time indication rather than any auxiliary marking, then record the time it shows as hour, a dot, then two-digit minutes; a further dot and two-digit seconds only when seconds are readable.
4.00
